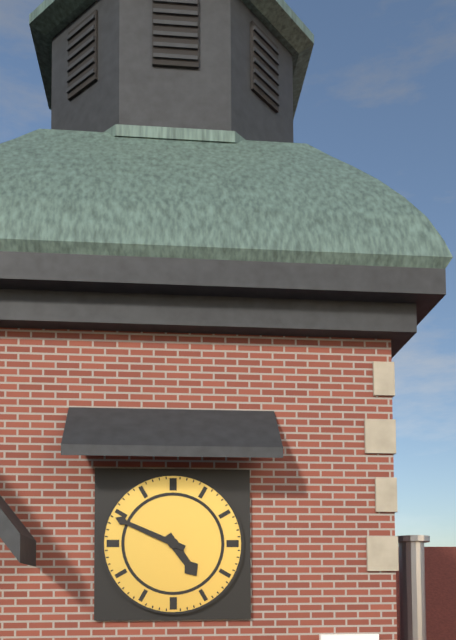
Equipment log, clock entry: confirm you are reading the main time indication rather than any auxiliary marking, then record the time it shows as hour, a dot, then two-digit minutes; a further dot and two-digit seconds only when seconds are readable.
4.49
